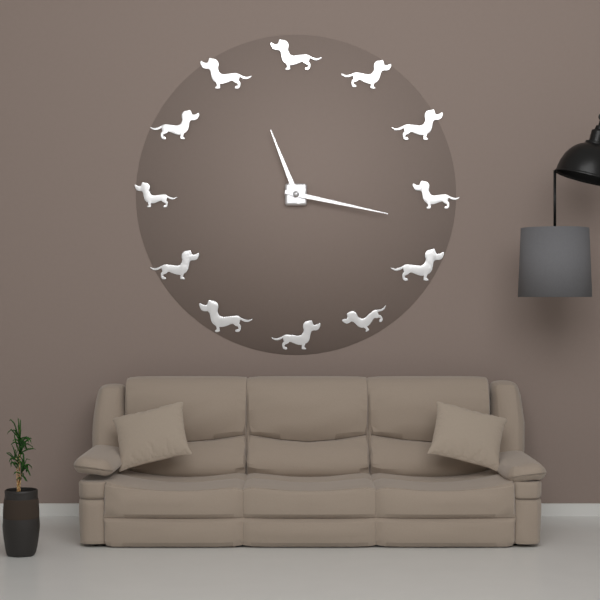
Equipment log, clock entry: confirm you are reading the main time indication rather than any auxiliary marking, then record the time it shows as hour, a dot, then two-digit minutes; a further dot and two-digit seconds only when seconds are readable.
11.17
